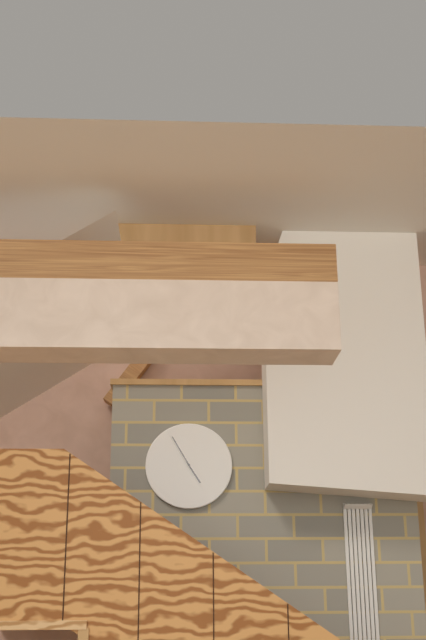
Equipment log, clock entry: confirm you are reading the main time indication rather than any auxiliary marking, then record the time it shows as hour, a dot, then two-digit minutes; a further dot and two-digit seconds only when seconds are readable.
4.55
